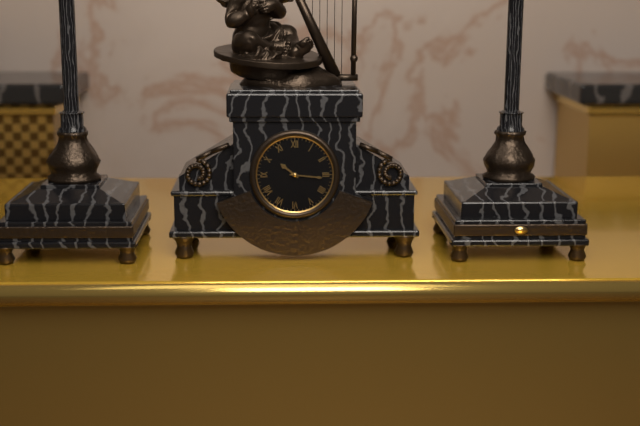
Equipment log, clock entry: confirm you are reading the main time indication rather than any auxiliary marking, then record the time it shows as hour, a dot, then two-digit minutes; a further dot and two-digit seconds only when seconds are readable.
10.16
